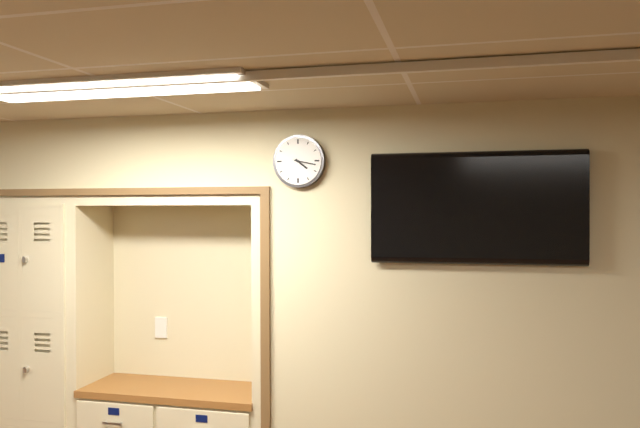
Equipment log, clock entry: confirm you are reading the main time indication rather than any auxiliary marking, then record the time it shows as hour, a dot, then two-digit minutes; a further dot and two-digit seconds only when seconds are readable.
4.17
